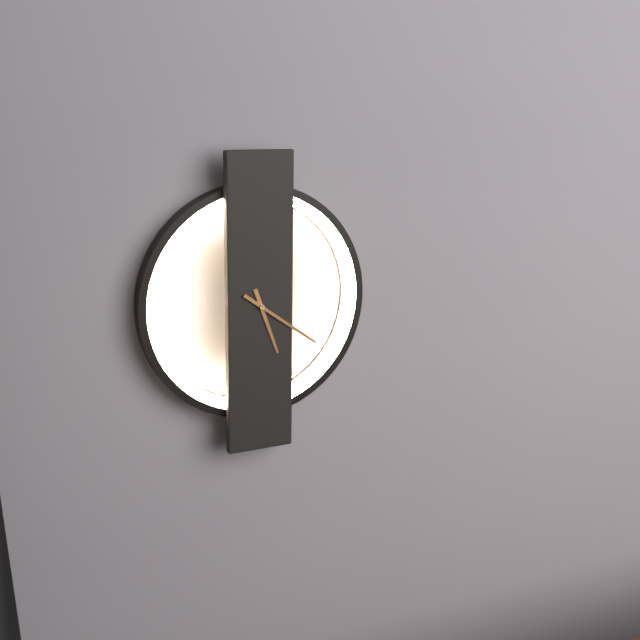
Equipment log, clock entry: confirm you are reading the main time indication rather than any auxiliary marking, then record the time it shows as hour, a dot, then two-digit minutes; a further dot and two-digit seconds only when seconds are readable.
5.21
